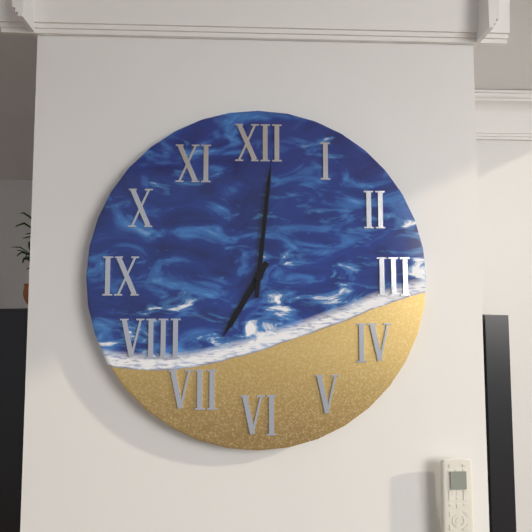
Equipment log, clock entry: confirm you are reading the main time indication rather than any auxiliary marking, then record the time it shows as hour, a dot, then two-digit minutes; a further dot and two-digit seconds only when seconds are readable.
7.01
